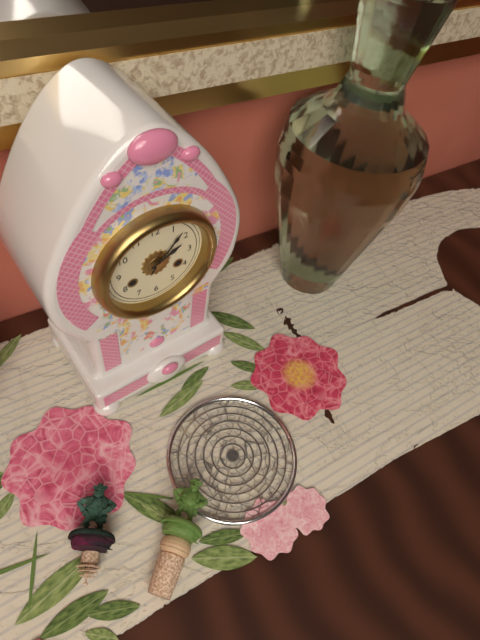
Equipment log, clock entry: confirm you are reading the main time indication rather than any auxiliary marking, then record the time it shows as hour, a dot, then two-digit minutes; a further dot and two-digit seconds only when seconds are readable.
2.07
